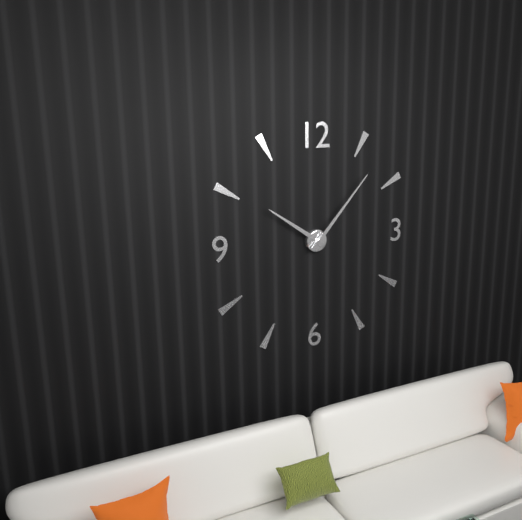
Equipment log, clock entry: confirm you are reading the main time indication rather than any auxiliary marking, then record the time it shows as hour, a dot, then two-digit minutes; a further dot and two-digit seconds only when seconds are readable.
10.07
